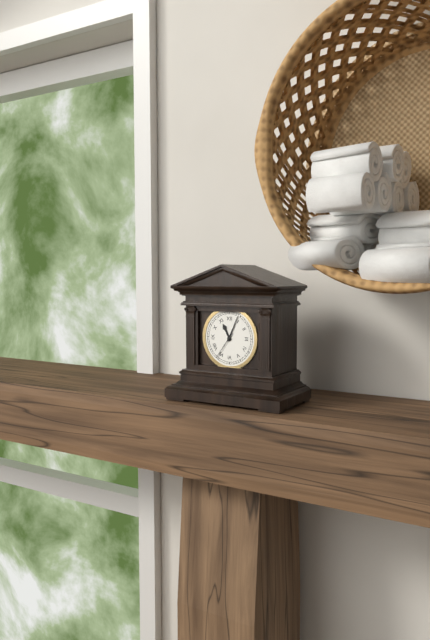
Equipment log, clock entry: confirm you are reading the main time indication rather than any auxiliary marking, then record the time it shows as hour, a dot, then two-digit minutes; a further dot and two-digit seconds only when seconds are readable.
11.04
